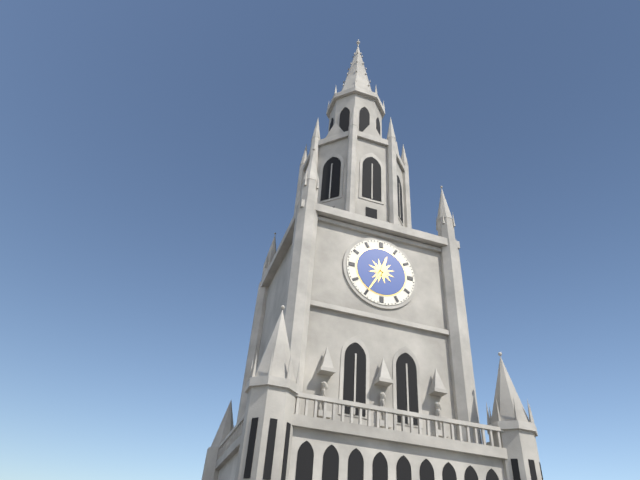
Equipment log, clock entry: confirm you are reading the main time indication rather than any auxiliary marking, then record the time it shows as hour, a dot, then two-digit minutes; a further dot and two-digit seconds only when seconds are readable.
12.35
